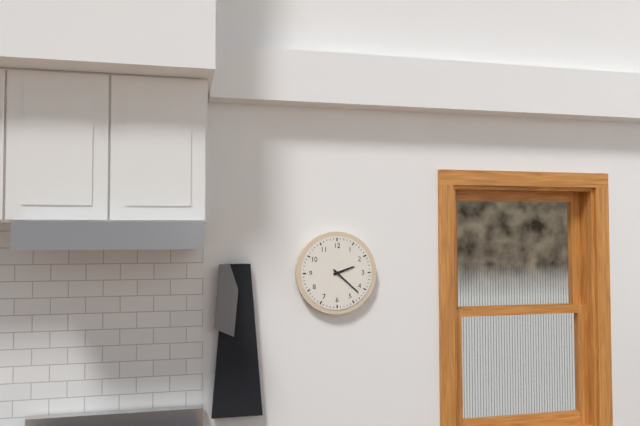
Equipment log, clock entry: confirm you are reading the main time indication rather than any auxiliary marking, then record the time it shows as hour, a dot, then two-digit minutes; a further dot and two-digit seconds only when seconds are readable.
2.22
